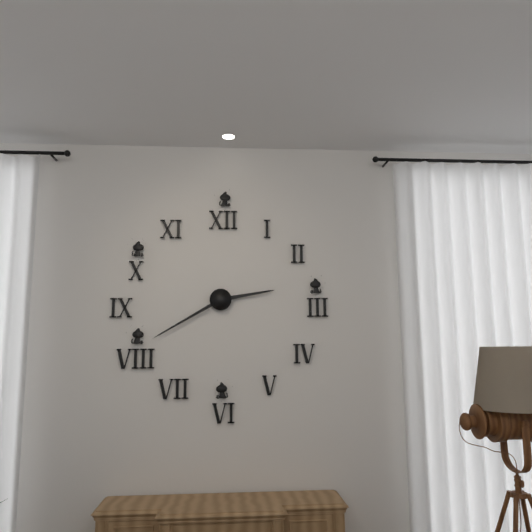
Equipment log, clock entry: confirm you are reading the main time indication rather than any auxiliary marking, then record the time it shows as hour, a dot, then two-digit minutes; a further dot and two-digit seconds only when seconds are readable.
2.40
